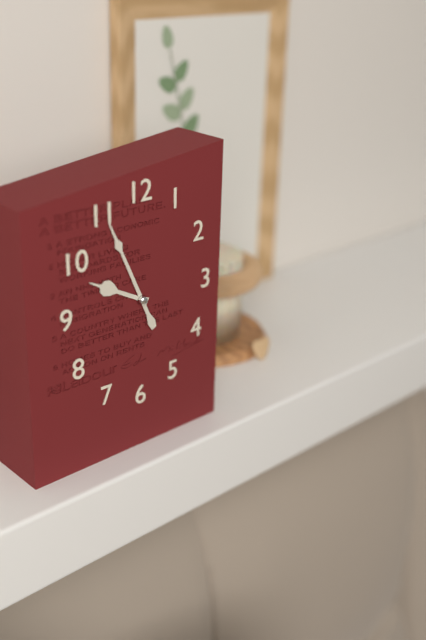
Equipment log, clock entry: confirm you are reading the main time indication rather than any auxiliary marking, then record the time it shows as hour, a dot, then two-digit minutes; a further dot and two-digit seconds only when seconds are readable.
9.56
